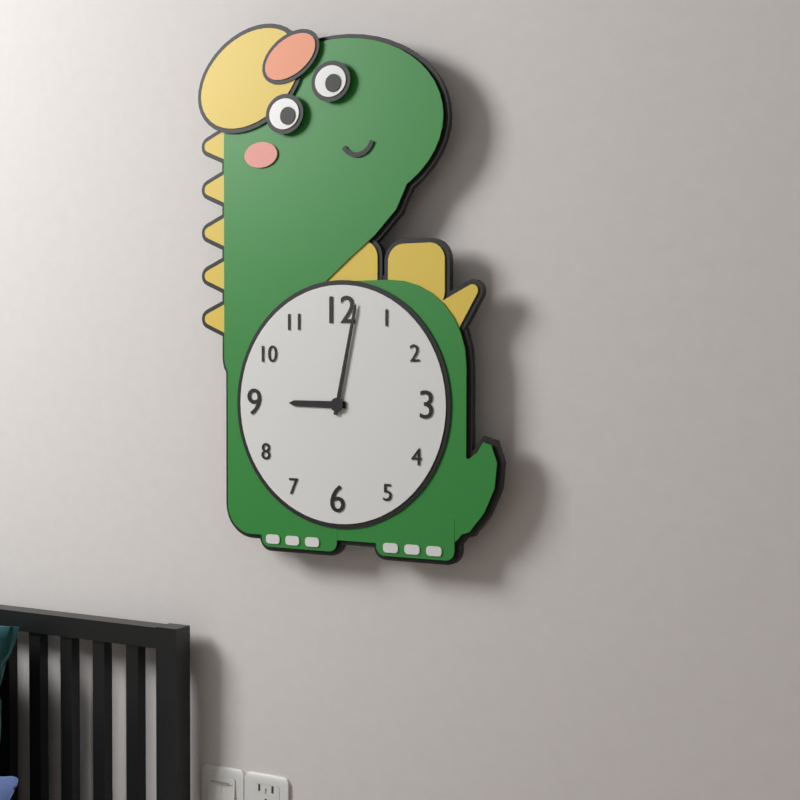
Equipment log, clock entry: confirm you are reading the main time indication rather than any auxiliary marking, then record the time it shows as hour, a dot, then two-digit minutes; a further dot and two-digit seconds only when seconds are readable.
9.02
